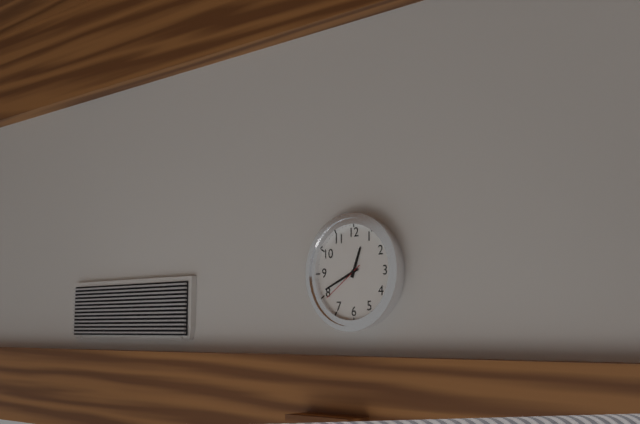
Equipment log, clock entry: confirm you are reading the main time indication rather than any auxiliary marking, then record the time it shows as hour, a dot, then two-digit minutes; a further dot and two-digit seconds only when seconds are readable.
12.41
